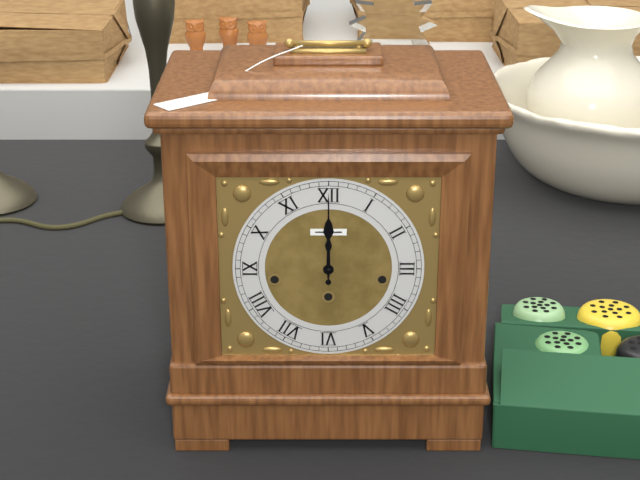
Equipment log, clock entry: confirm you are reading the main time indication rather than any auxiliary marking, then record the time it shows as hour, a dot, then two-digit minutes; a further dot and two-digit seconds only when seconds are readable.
12.00
